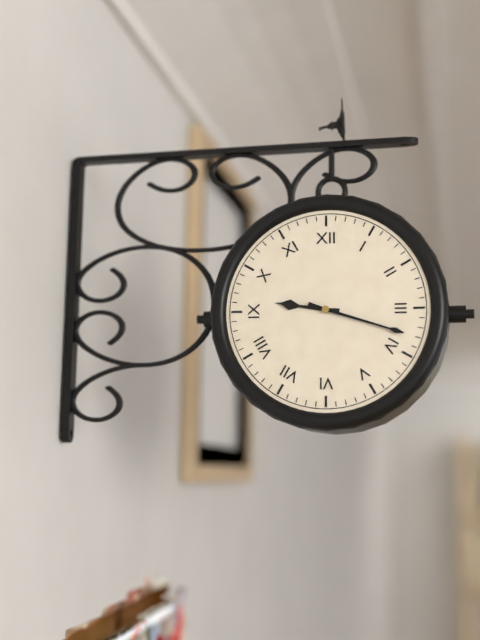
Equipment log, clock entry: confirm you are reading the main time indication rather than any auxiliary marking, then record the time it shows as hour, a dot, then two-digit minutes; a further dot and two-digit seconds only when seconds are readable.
9.18
